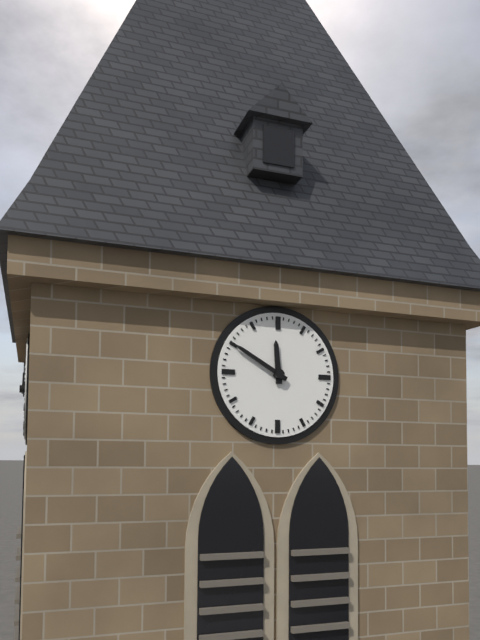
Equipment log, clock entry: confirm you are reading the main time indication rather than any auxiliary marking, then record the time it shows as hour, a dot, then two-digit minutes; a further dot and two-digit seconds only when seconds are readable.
11.50
